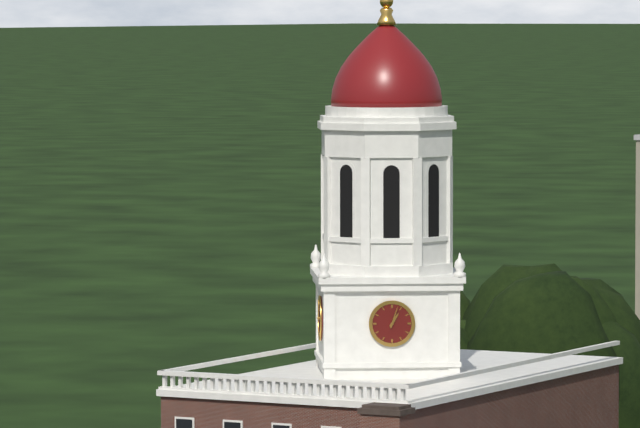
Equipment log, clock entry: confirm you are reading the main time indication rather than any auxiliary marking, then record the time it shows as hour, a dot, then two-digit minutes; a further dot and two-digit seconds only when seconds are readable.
1.03
